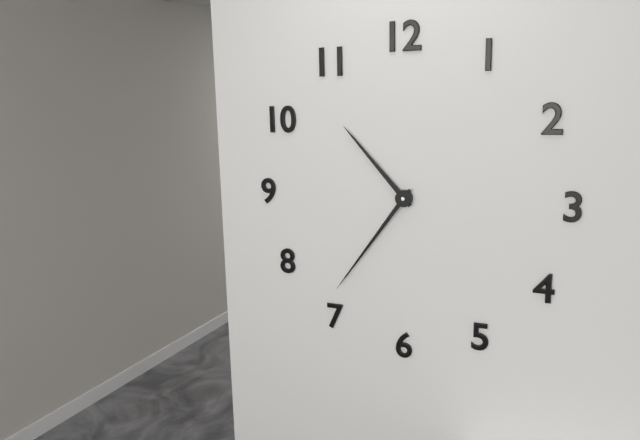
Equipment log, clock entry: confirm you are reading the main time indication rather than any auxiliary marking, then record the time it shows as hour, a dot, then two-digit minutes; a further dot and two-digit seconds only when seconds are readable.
10.36
